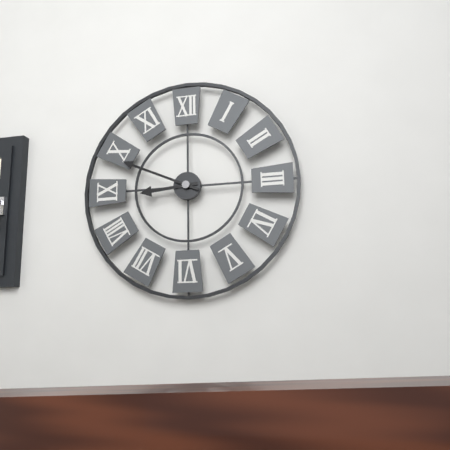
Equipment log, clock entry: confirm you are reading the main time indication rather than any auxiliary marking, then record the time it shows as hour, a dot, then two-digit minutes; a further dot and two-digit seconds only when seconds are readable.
8.49
